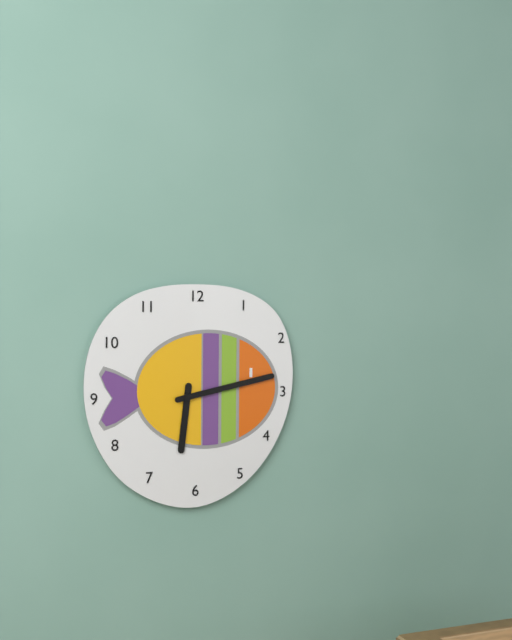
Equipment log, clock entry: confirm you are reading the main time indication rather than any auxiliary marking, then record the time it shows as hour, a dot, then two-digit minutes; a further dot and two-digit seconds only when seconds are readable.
6.13
